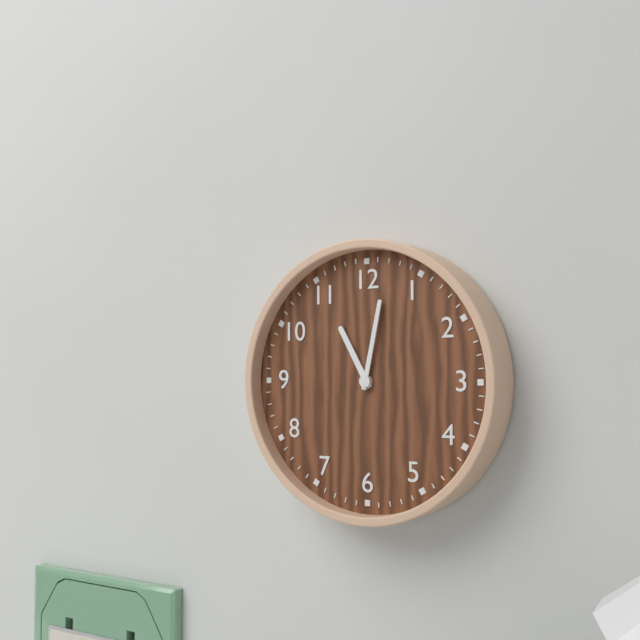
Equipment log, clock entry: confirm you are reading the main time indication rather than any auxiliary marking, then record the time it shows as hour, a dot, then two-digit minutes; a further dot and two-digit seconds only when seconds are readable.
11.02
